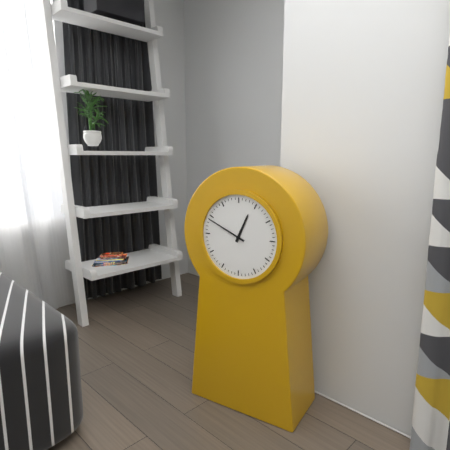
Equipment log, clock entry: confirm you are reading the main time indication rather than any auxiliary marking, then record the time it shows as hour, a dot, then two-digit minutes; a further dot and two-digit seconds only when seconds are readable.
12.49
